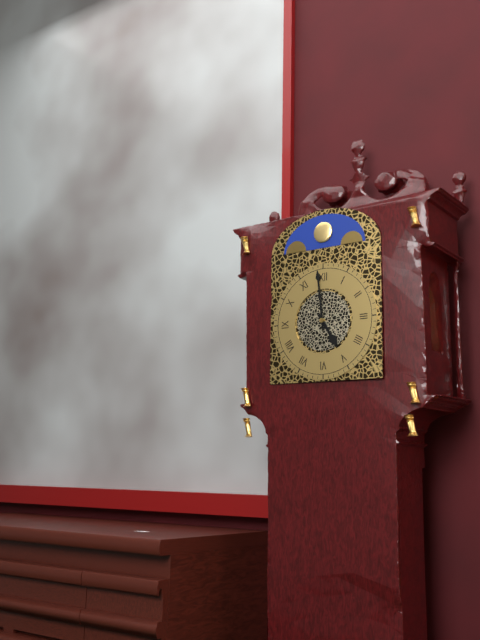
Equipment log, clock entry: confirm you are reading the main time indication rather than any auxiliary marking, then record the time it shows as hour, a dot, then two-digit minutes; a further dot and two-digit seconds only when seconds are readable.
4.59
